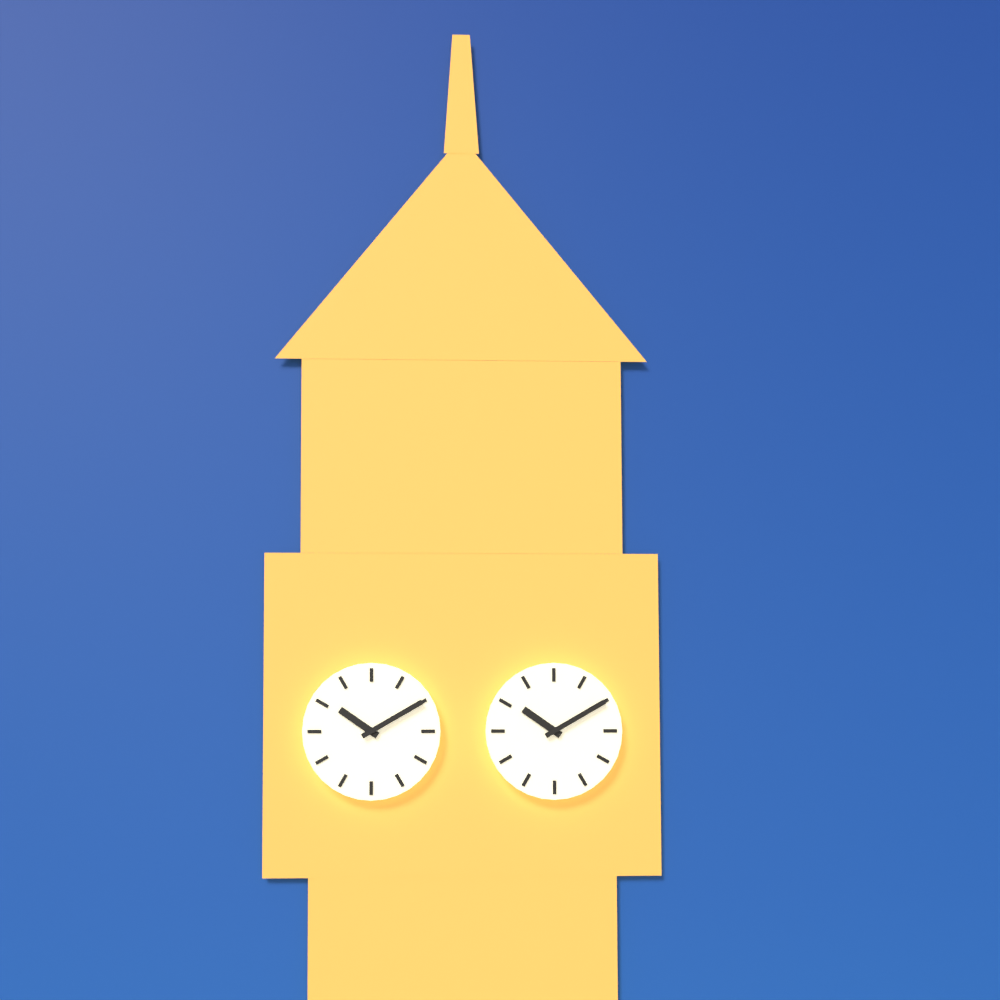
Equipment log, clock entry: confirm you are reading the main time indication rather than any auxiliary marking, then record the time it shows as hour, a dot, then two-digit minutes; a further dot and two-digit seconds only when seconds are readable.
10.10
